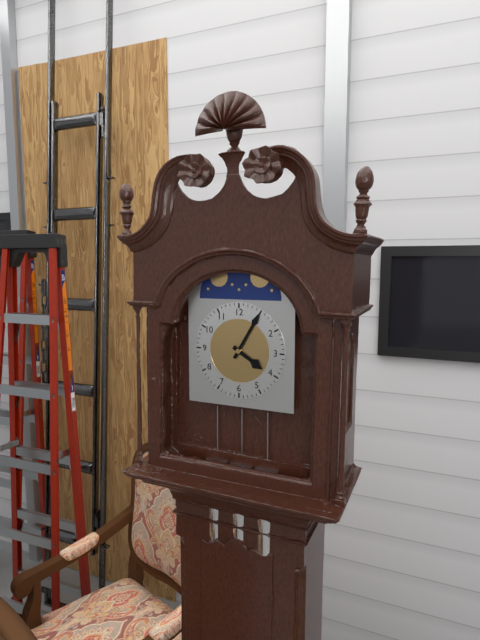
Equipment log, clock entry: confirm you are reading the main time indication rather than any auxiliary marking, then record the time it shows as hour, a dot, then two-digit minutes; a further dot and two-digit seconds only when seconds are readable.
4.05
